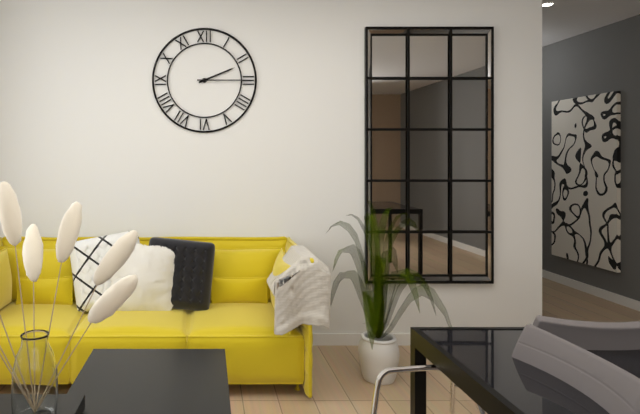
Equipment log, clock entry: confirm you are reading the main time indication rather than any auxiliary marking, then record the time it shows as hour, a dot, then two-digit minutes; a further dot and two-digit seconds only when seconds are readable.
2.15
